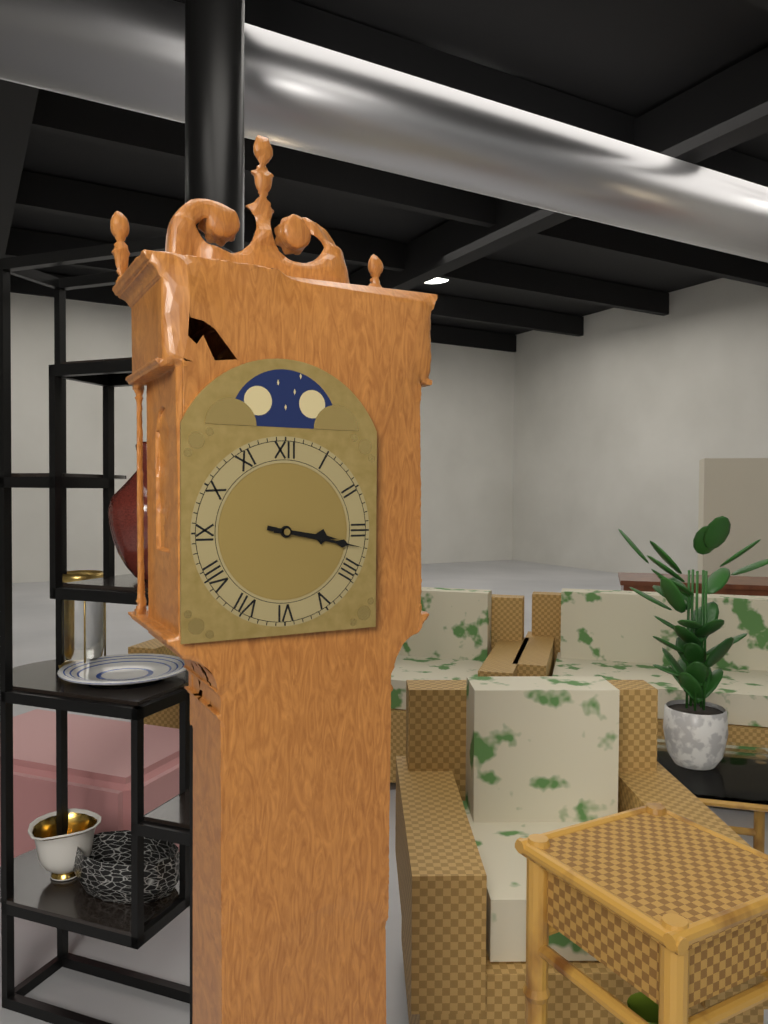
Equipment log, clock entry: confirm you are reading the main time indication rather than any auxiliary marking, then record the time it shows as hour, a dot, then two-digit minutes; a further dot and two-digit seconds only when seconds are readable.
3.17
